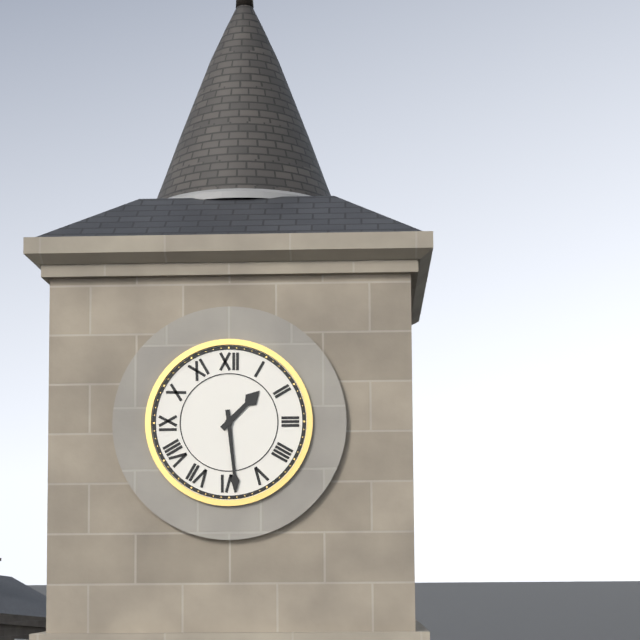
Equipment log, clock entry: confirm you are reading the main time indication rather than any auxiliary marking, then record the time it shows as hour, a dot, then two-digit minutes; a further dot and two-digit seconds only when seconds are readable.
1.29
